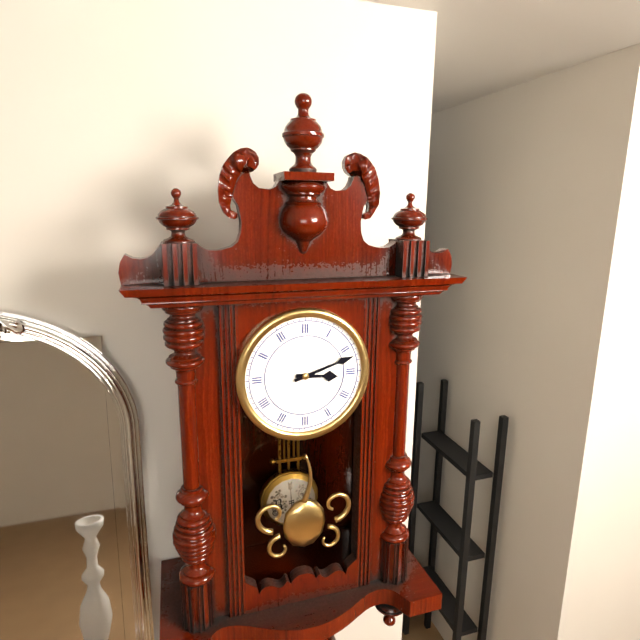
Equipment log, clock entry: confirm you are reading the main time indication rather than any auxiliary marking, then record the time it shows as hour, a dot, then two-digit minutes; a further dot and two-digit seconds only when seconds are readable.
3.12
